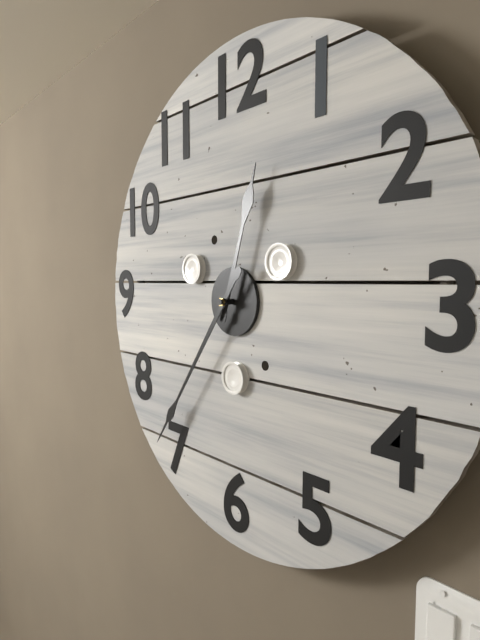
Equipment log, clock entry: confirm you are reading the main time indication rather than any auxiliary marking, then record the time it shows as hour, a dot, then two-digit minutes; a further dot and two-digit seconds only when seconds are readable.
12.36
